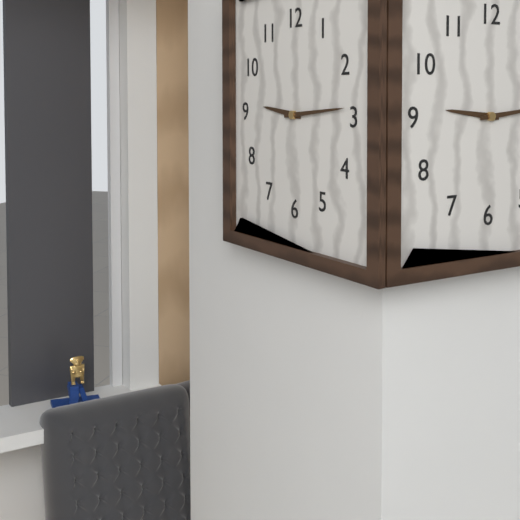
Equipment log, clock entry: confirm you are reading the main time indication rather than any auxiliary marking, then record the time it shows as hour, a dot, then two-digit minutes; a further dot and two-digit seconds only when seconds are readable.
9.14
